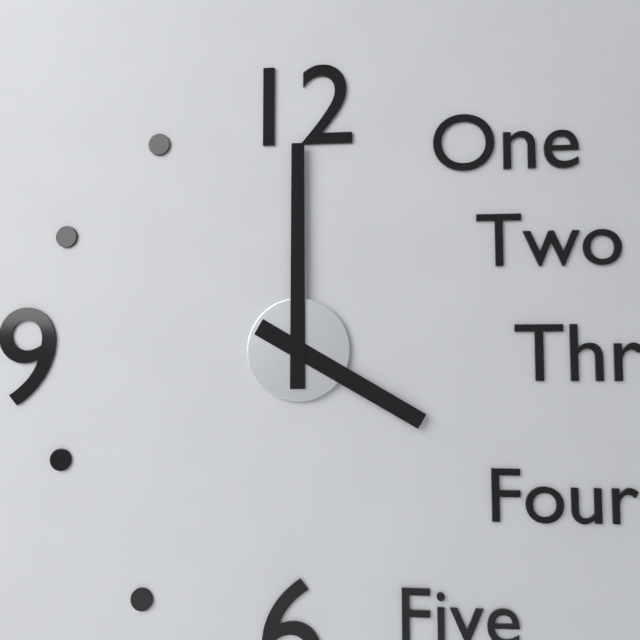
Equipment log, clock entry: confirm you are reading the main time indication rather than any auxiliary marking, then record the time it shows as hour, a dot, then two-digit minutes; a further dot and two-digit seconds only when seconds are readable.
4.00
